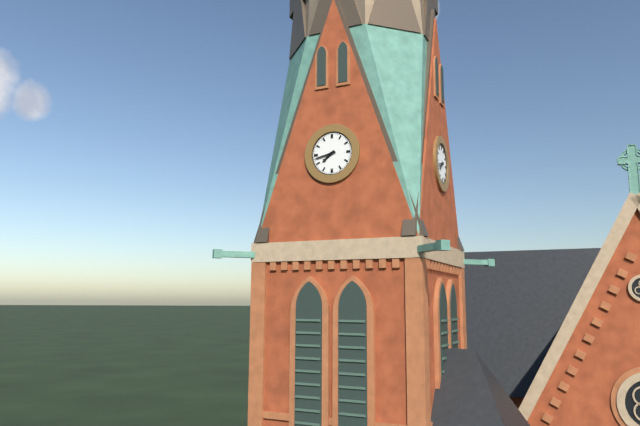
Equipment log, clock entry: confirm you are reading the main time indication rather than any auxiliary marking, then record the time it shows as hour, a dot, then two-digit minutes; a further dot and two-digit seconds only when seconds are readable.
7.43
